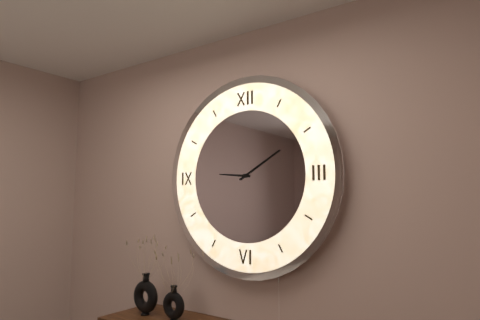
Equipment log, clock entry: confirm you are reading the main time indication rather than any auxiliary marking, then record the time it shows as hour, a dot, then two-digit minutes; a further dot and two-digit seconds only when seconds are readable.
9.10
